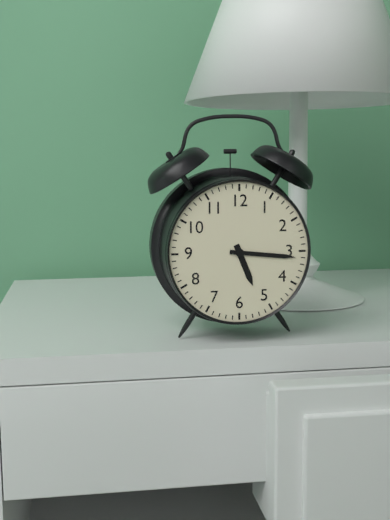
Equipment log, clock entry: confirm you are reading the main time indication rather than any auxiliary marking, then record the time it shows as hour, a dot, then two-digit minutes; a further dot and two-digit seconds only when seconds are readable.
5.16
